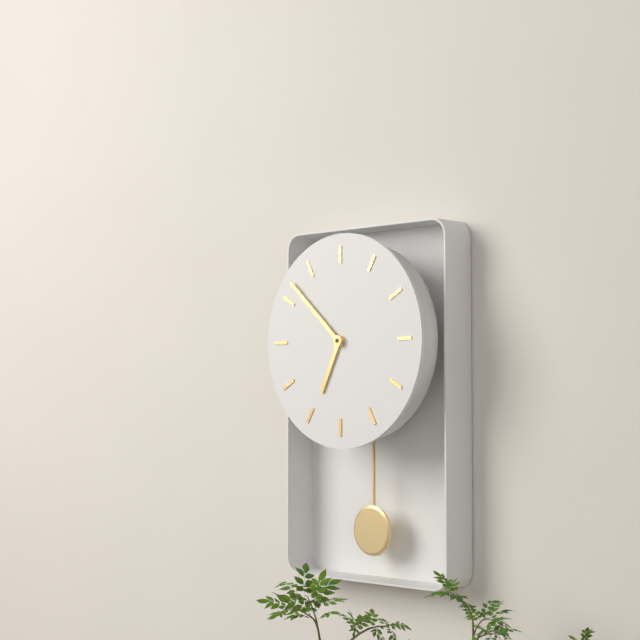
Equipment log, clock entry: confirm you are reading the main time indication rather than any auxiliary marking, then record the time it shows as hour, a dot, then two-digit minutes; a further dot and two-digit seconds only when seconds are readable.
6.52
